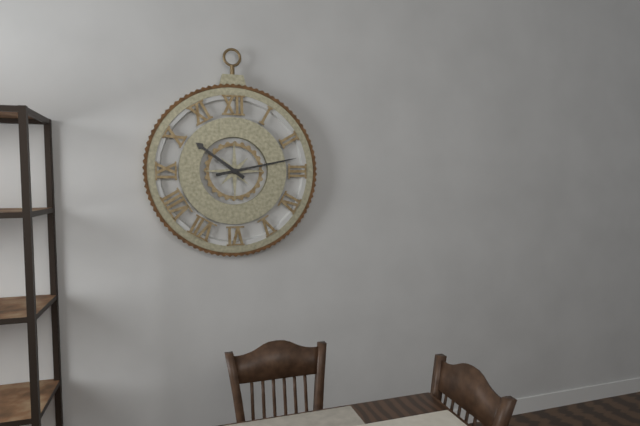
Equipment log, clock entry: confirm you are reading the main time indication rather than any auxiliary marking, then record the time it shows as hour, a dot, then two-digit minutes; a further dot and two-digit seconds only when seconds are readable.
10.13
